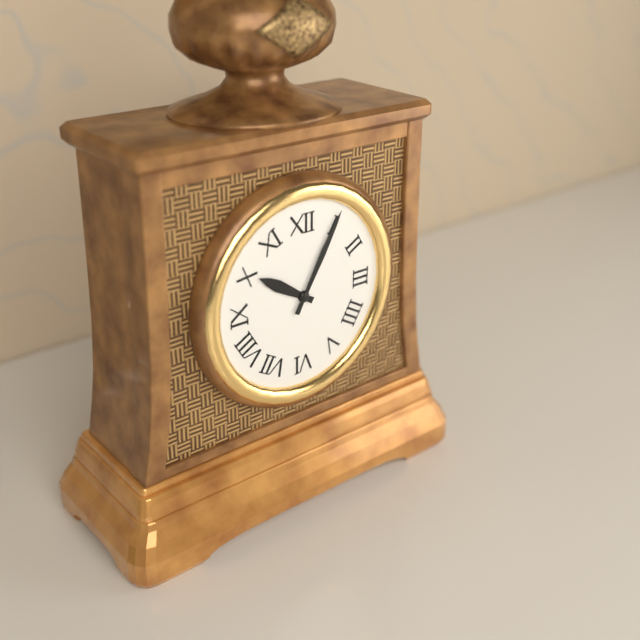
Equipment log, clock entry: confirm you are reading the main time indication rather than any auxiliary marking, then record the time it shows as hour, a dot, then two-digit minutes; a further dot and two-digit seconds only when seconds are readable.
10.05
